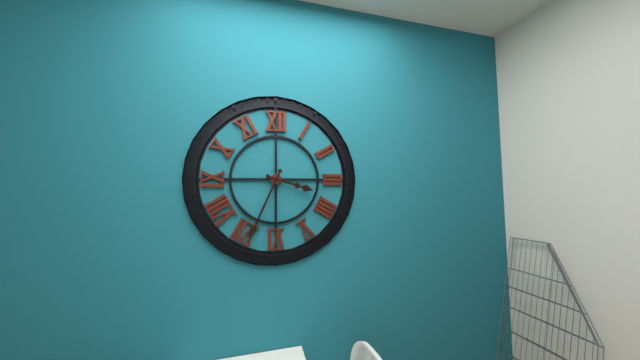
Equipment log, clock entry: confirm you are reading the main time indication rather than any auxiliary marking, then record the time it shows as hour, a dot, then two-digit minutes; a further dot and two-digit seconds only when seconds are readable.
3.34
